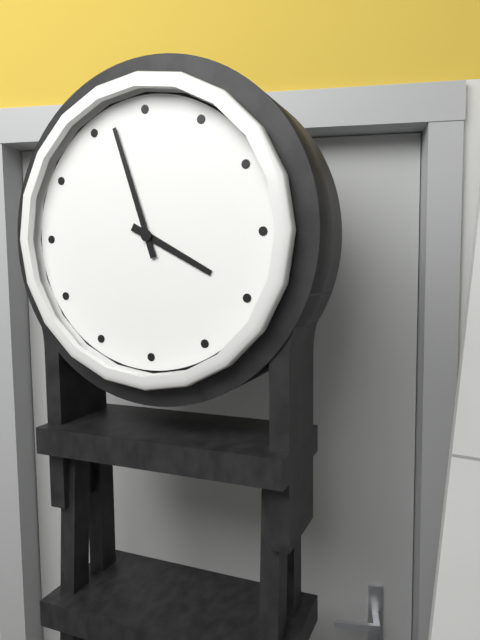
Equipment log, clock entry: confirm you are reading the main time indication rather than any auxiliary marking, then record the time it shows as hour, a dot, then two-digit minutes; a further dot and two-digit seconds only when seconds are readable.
3.57
